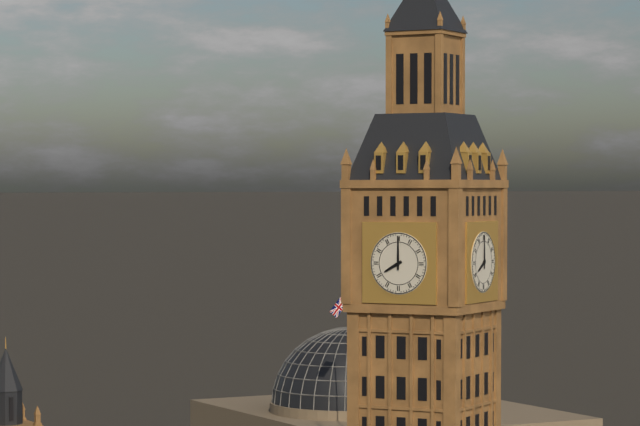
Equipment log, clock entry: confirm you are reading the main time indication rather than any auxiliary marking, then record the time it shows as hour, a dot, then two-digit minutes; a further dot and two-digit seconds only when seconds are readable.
8.00
